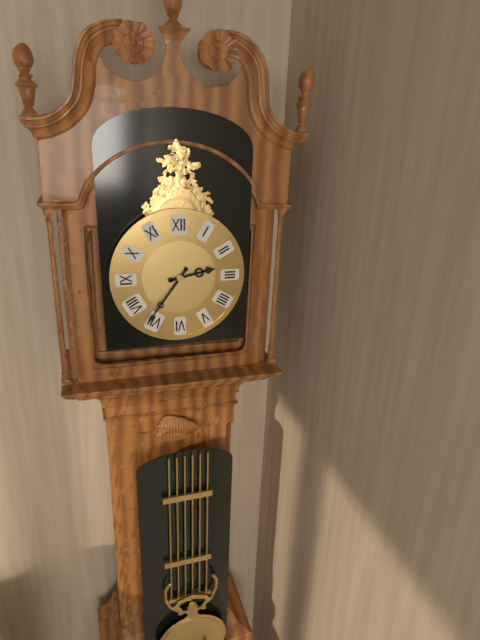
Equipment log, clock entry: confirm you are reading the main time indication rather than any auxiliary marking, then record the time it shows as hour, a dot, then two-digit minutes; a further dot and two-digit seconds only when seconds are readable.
2.36
